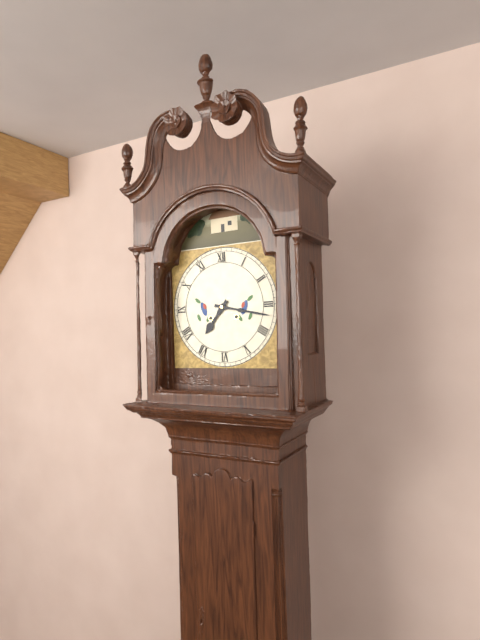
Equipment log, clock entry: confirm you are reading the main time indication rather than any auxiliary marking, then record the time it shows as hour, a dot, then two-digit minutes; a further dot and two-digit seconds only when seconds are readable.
7.17
